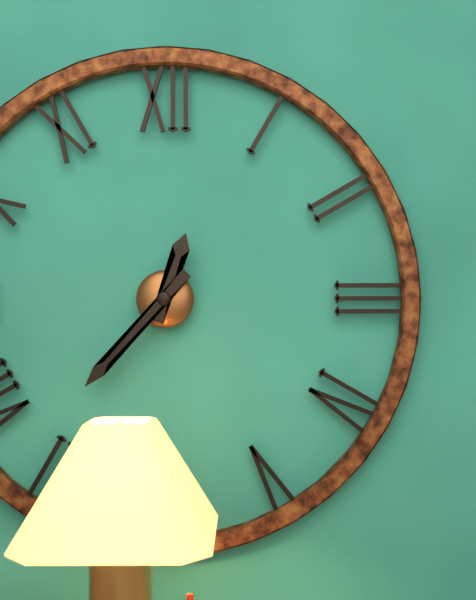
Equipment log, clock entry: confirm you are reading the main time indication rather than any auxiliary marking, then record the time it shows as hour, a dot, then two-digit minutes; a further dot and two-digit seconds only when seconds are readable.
12.37
